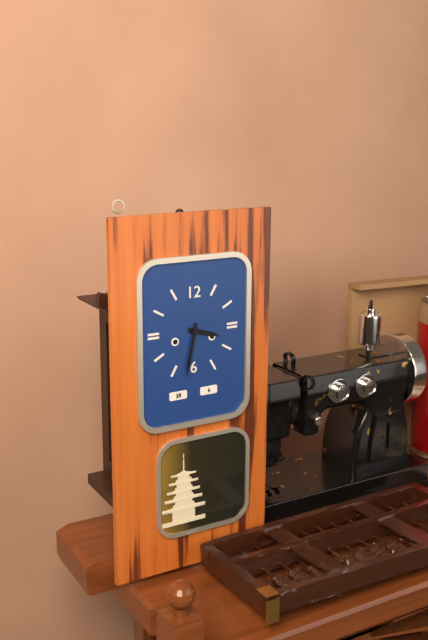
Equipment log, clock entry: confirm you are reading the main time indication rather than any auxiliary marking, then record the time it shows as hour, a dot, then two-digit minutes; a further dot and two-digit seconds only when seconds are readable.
3.32
